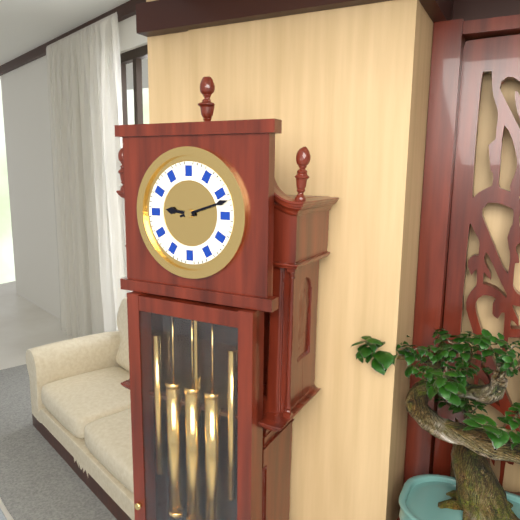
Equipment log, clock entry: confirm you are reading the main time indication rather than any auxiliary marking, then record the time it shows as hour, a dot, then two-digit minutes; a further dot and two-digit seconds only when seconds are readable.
9.12
